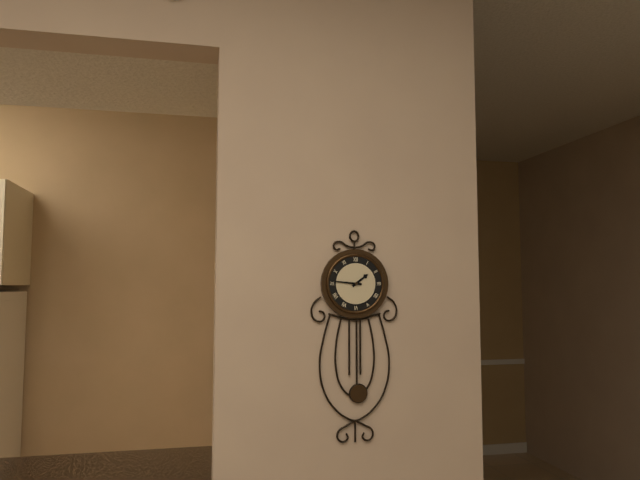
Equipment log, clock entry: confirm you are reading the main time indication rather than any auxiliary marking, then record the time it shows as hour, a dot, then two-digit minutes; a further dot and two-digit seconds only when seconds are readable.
1.46
